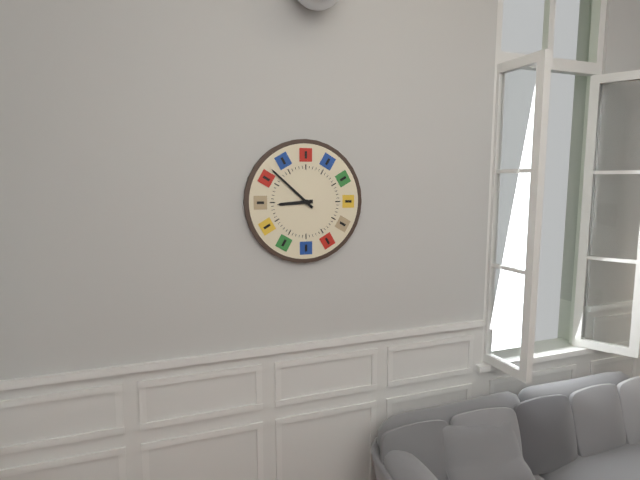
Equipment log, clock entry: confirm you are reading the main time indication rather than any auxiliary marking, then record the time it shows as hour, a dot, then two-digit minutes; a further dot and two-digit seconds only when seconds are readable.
8.52
